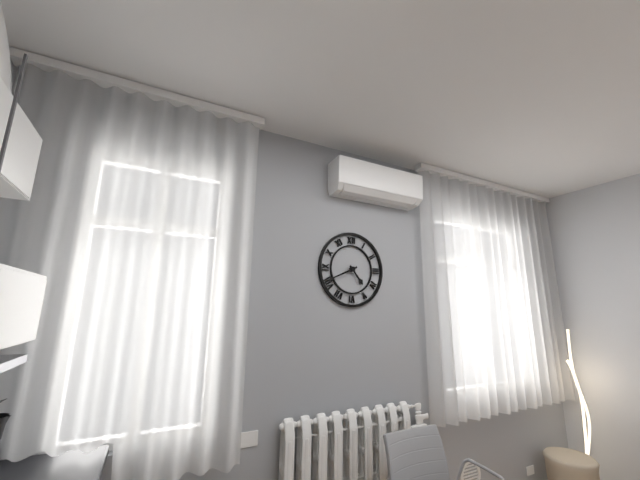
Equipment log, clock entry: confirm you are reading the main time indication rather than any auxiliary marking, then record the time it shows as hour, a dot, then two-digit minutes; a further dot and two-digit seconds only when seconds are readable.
4.41
